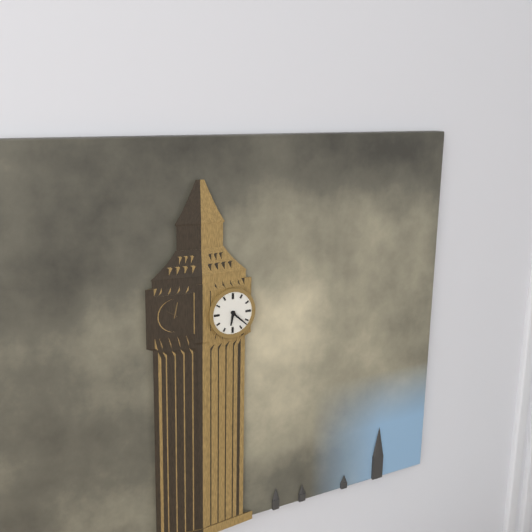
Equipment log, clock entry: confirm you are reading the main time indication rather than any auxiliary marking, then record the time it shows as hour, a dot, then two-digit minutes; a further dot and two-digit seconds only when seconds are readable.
6.22
